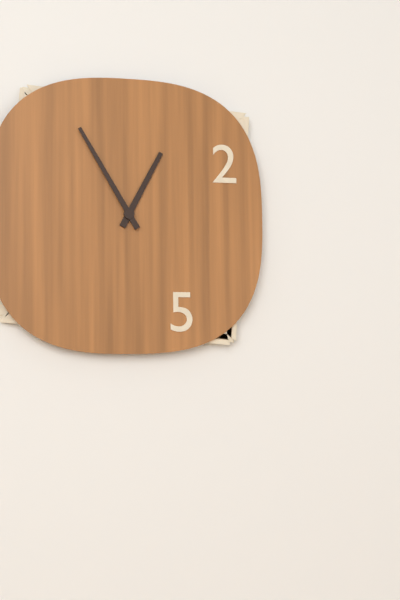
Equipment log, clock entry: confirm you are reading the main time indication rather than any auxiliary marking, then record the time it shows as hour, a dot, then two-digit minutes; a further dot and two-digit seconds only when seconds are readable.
12.55
